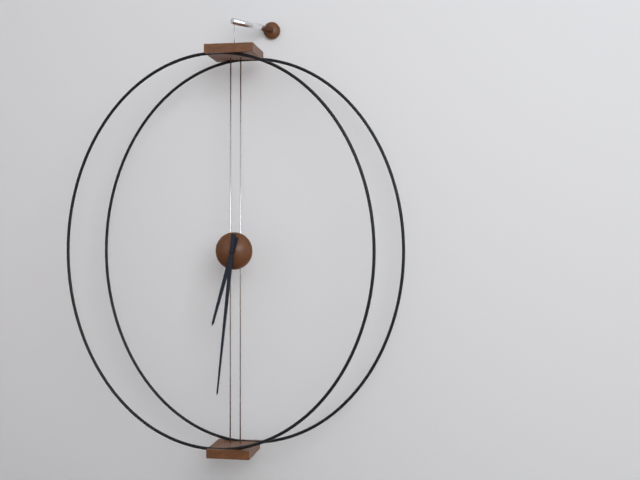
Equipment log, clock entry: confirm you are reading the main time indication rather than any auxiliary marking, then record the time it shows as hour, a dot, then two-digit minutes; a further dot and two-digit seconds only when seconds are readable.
6.31
